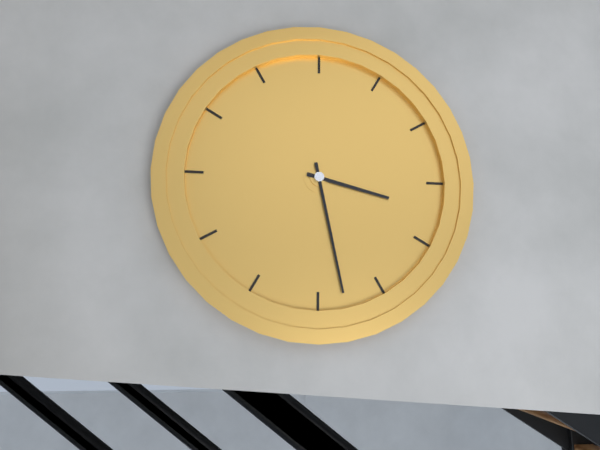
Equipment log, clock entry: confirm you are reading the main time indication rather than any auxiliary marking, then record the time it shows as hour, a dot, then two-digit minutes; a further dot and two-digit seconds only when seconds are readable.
3.28
